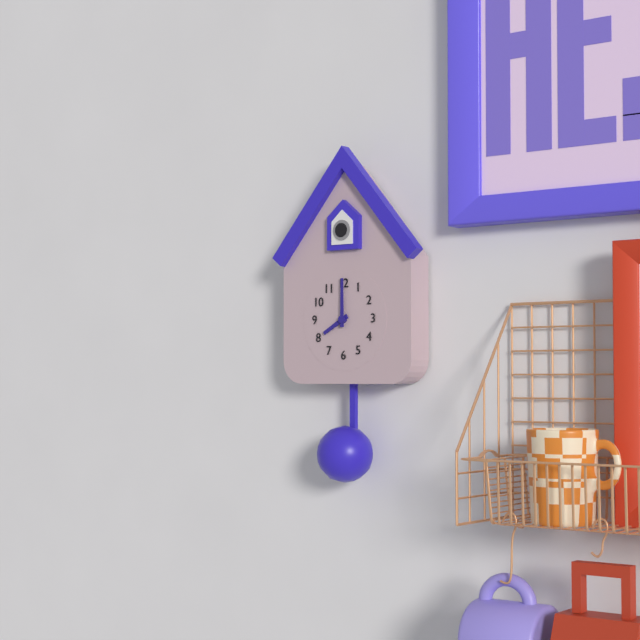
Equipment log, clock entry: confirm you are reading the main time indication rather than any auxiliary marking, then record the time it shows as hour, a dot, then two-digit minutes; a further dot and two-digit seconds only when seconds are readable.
8.00
